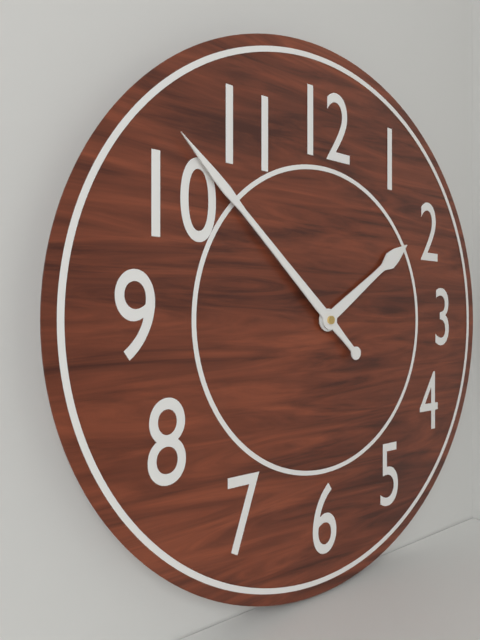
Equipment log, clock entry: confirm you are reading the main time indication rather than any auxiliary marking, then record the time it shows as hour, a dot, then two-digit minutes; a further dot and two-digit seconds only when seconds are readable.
1.52
